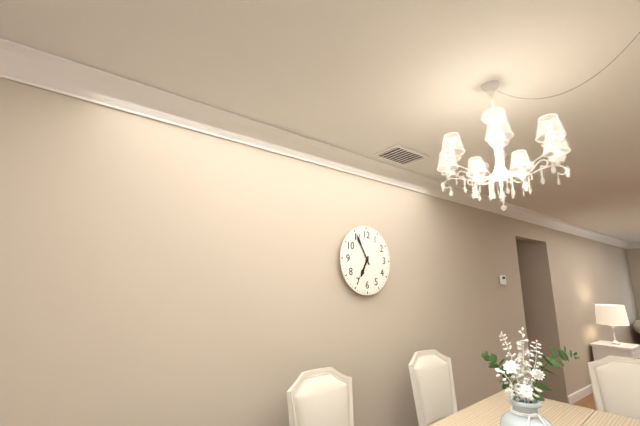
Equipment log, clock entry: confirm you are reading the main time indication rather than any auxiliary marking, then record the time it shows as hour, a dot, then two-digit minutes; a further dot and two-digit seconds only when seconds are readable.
6.55
